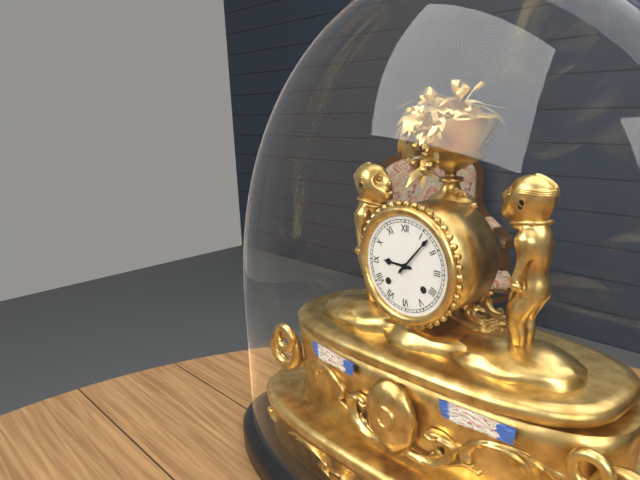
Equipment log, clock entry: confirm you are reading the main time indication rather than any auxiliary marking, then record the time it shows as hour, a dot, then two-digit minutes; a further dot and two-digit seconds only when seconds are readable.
9.07
